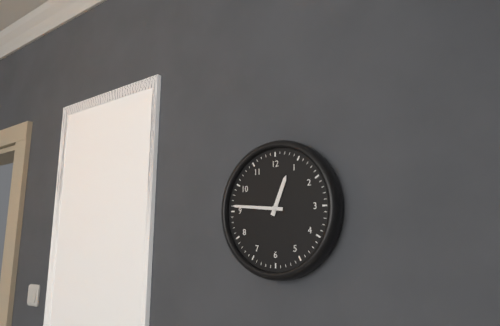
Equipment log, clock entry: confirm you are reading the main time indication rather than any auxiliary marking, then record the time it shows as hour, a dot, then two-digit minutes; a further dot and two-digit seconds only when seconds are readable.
12.46
